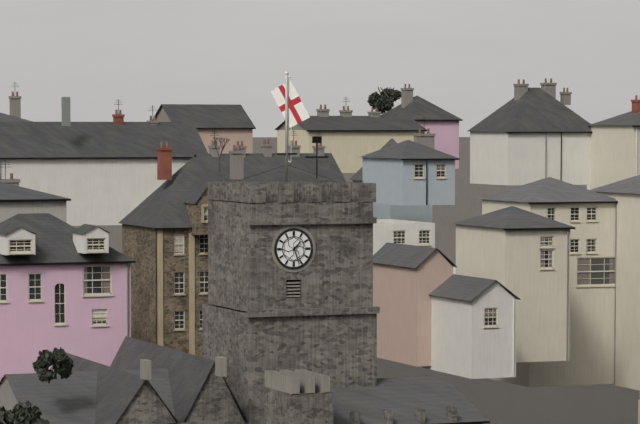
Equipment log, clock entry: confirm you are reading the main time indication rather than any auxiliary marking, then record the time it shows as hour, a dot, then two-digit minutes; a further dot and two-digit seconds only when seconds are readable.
1.27
